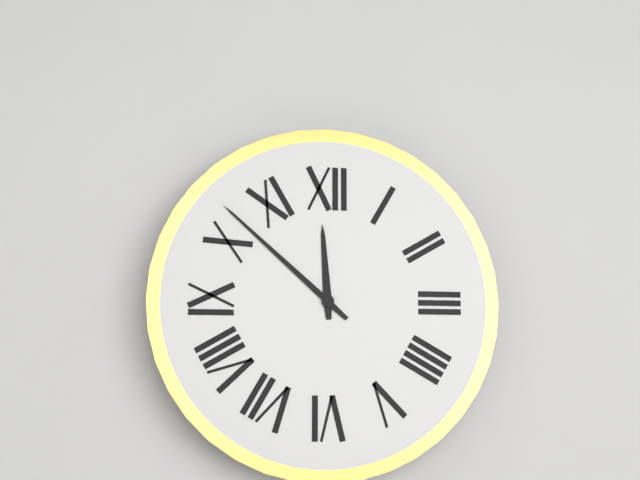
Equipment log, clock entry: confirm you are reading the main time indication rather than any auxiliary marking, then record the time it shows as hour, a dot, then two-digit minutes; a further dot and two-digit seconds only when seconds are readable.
11.52
